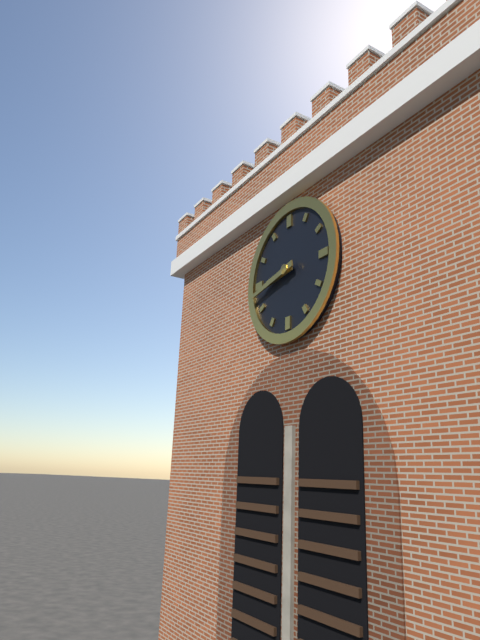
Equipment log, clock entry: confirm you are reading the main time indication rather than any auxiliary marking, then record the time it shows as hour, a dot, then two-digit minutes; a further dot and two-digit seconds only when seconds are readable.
8.43
